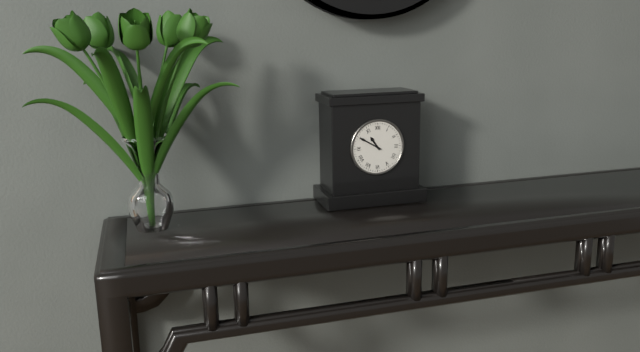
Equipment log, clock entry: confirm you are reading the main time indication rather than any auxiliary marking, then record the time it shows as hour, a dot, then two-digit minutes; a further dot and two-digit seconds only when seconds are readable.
10.50
